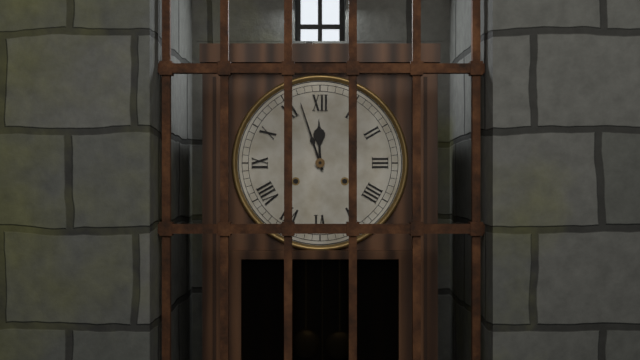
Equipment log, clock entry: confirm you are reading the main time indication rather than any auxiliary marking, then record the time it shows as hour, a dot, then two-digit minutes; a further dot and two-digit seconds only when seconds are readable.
11.57
